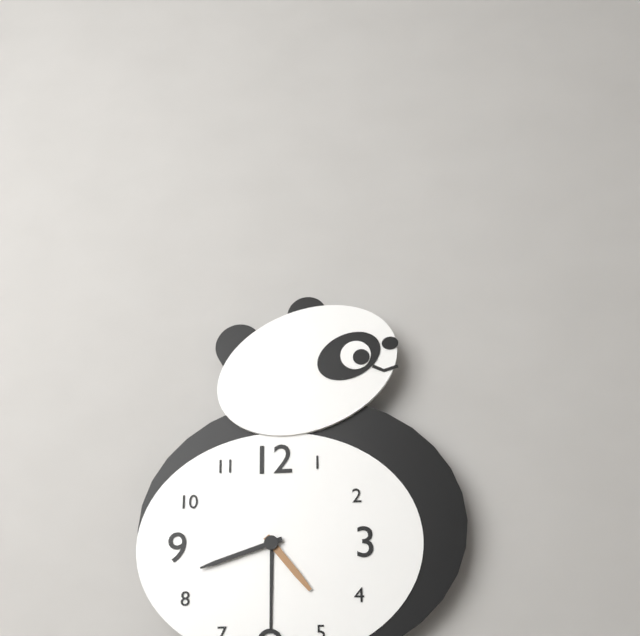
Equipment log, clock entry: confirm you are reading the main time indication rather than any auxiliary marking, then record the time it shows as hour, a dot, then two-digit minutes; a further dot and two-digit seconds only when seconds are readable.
4.42
